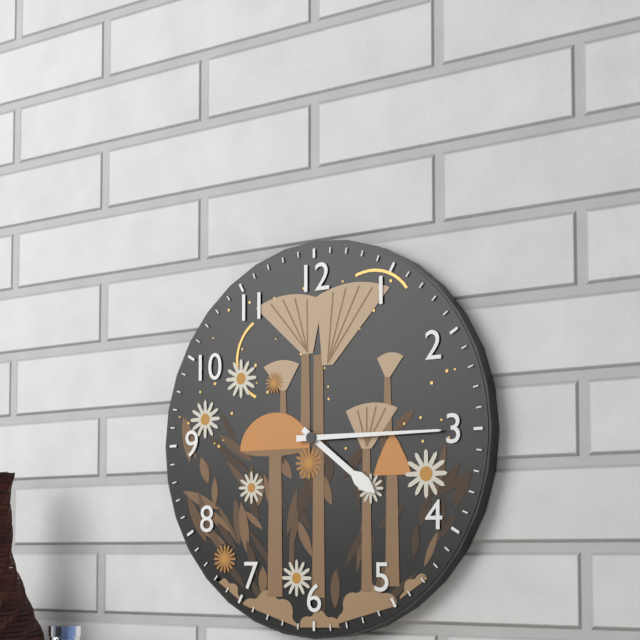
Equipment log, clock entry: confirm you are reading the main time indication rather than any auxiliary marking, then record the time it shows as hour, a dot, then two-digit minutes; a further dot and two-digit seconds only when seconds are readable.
4.15
